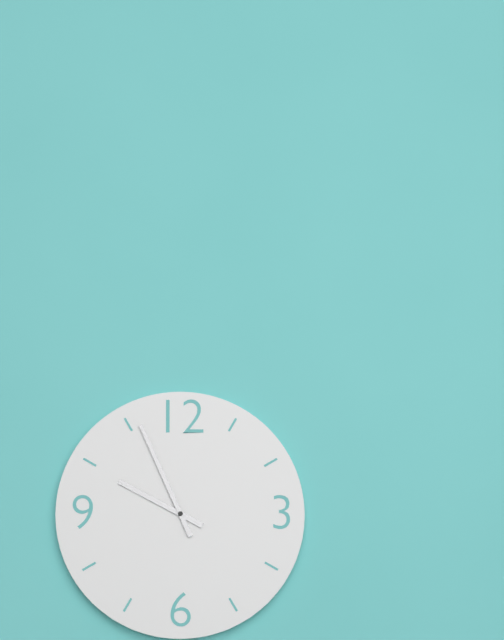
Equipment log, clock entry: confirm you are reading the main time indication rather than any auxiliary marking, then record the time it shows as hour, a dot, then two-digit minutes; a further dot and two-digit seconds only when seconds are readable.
9.56
